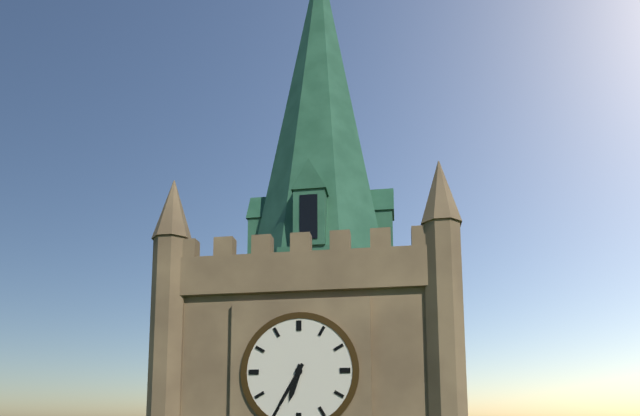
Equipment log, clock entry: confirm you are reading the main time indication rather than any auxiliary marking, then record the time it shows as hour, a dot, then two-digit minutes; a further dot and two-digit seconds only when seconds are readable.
6.35
